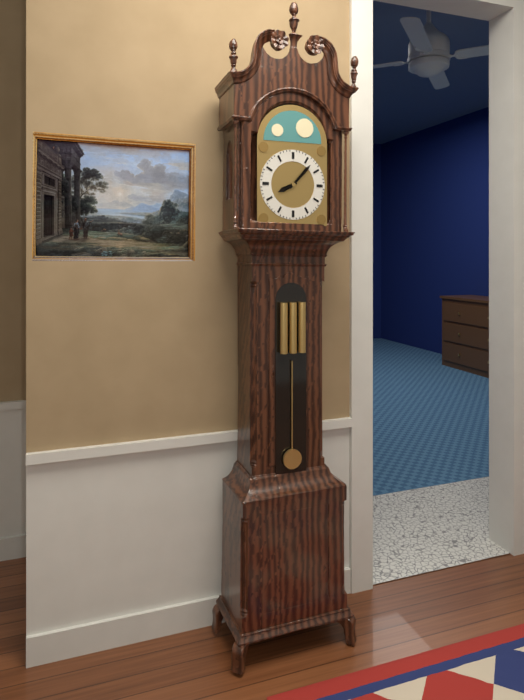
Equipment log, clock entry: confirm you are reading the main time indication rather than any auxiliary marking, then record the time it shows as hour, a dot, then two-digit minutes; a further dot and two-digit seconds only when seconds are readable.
8.07
